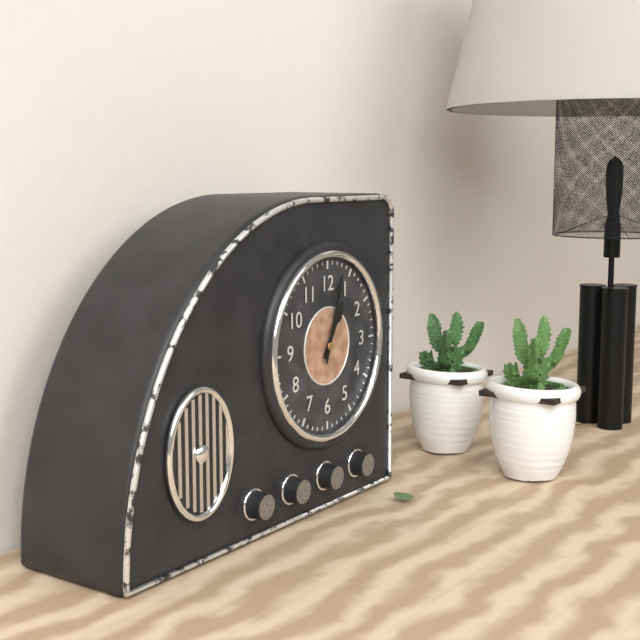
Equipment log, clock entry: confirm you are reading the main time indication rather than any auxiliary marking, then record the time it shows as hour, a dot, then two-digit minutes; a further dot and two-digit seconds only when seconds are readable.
1.03
